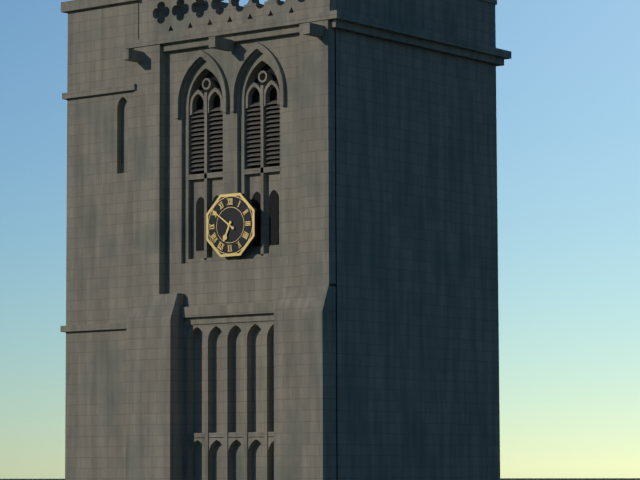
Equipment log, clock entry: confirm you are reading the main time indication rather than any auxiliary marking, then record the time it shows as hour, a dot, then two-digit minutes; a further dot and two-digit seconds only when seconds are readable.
6.51
